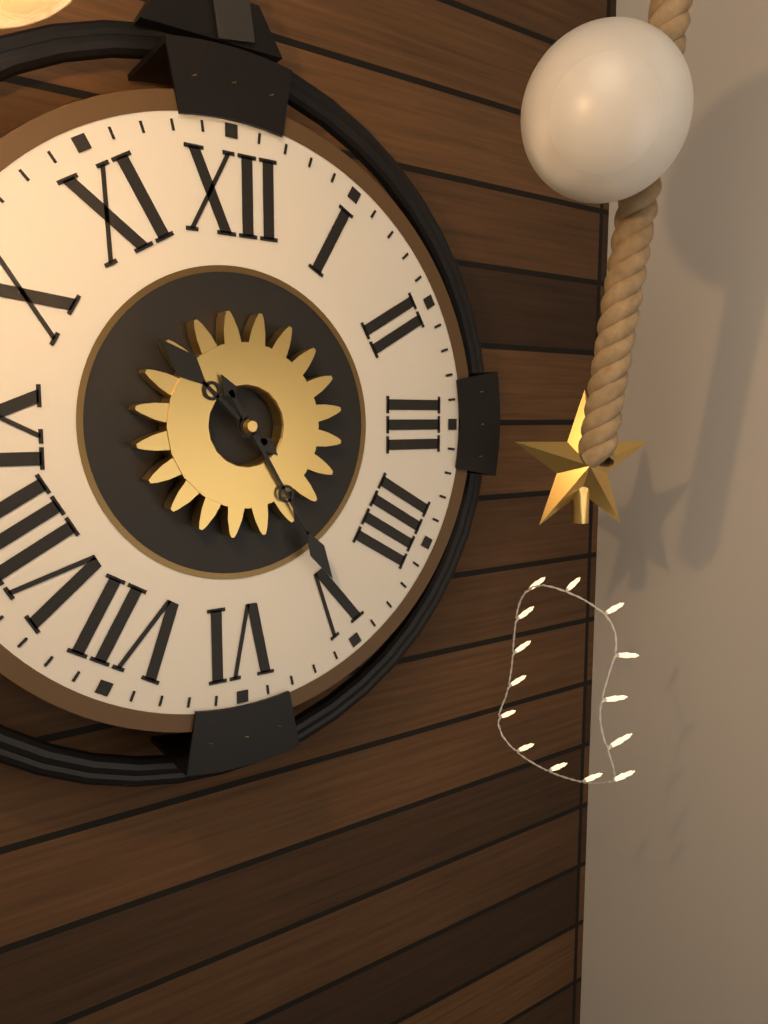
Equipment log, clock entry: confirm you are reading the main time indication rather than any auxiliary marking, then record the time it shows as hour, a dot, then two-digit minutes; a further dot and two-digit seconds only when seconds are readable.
10.25
